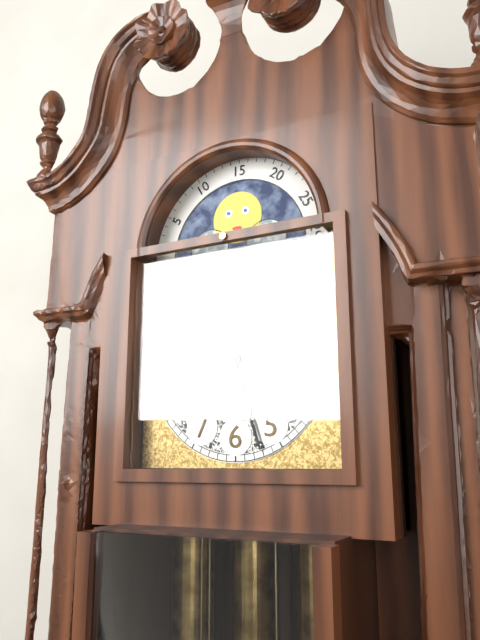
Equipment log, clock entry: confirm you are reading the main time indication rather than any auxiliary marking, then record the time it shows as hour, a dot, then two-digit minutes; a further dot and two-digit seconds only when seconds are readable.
12.27
